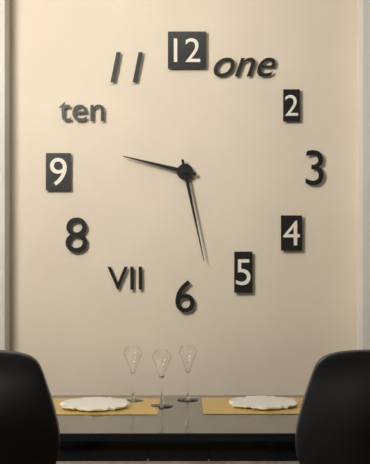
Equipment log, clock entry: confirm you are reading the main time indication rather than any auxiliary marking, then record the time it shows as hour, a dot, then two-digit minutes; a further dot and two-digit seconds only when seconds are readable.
9.28
